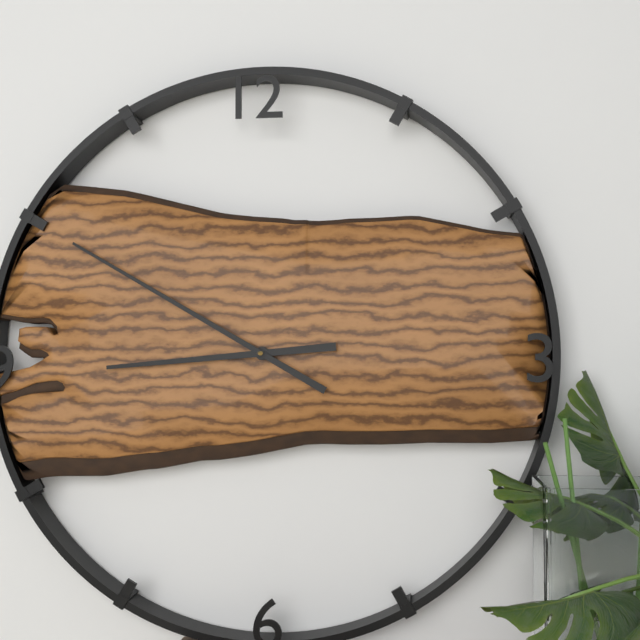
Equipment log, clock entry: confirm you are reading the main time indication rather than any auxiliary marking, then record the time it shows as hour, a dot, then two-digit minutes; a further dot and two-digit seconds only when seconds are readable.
8.50
